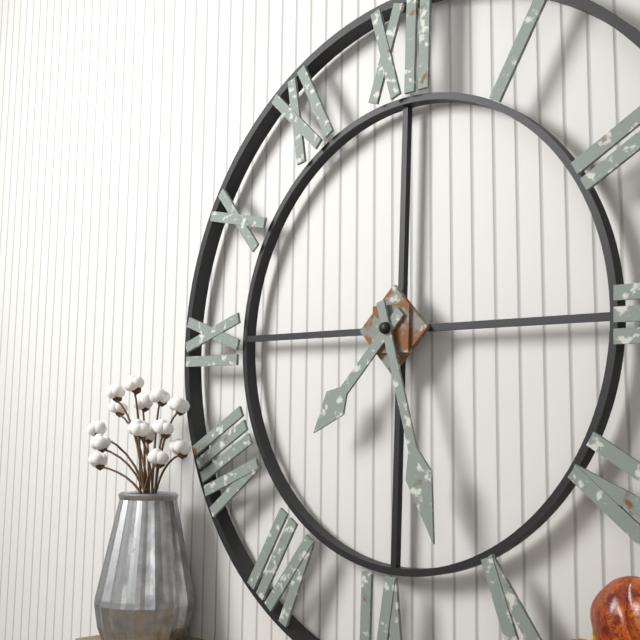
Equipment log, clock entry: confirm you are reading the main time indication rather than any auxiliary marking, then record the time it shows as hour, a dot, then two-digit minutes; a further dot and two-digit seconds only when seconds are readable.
7.27
